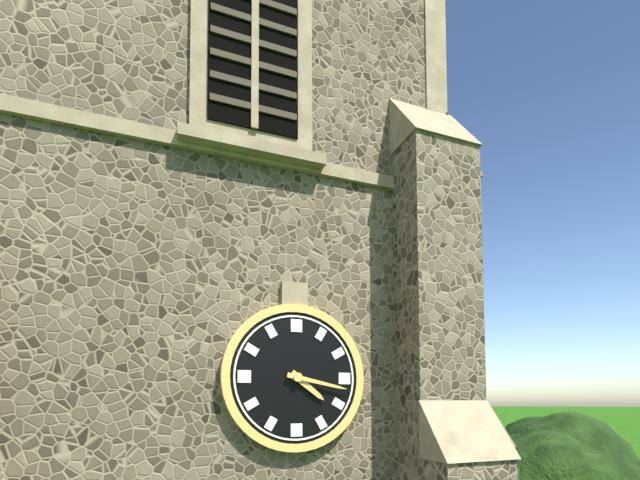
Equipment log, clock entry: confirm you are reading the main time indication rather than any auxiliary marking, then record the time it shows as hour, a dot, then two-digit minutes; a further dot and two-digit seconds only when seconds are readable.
4.17
